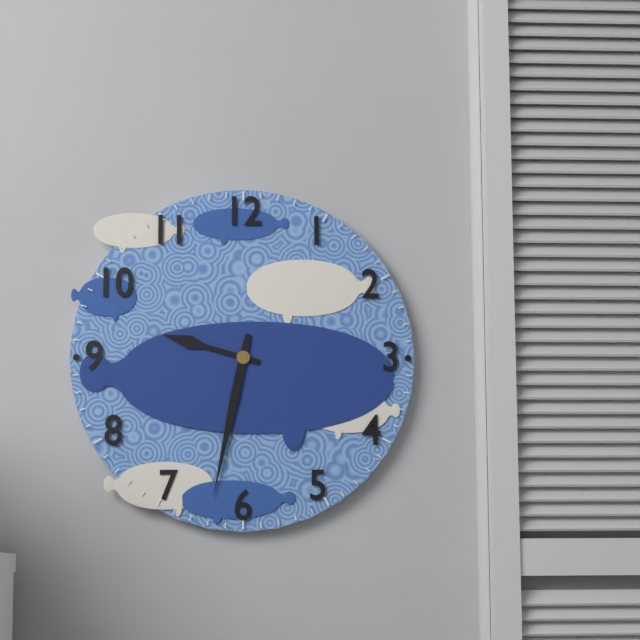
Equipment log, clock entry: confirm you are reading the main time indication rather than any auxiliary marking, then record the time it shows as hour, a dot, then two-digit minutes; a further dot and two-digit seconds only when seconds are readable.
9.32
